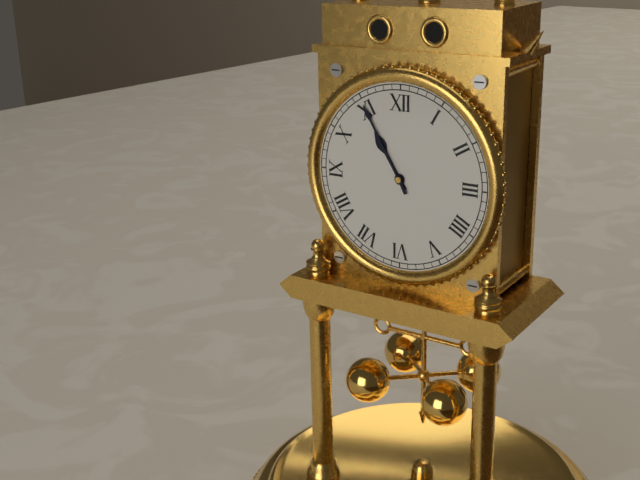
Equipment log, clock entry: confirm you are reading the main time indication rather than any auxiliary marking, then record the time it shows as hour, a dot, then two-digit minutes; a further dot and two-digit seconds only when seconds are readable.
10.55
